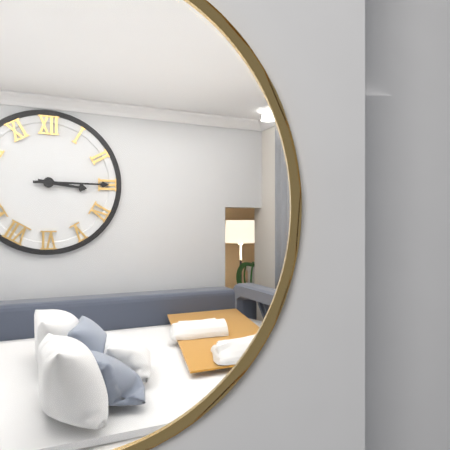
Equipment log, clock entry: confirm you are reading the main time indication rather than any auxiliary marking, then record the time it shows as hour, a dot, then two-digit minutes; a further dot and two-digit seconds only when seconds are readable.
3.15
